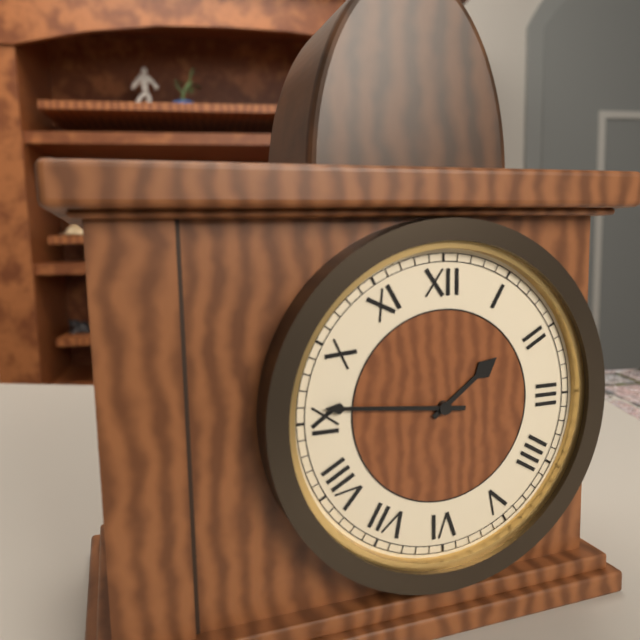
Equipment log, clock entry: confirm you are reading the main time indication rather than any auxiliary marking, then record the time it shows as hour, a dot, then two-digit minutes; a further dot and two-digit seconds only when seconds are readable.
1.46
